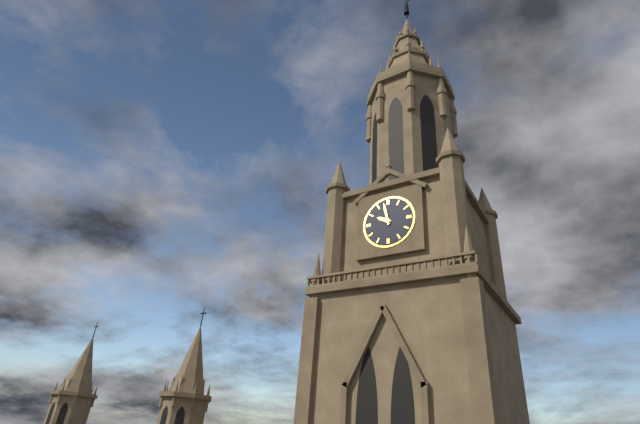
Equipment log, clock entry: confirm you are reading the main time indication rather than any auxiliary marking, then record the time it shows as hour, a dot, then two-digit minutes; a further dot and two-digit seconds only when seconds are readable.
9.58
